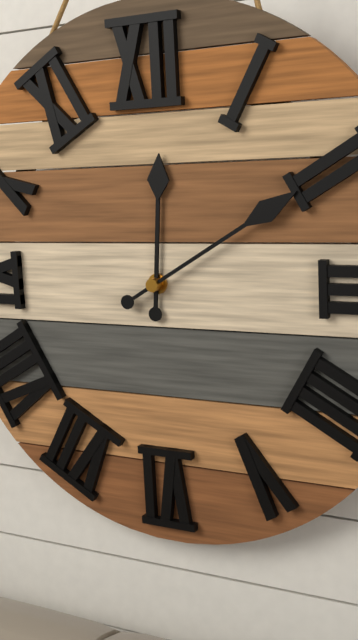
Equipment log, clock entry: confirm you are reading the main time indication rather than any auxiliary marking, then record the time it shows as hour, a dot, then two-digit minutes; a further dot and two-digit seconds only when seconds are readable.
12.10
